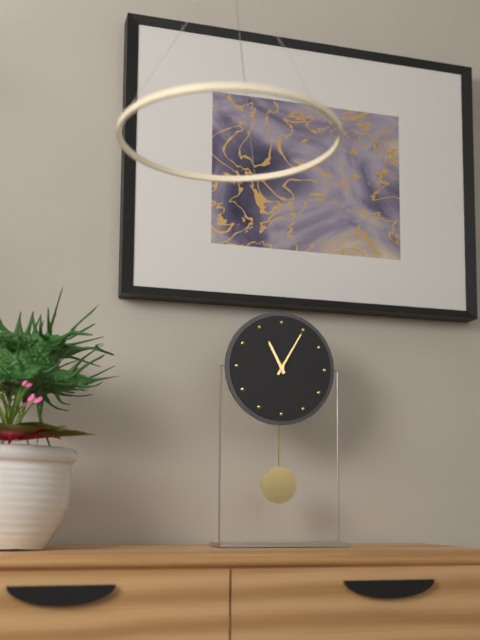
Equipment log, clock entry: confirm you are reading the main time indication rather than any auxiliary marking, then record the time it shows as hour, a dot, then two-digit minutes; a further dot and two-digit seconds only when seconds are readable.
11.05
